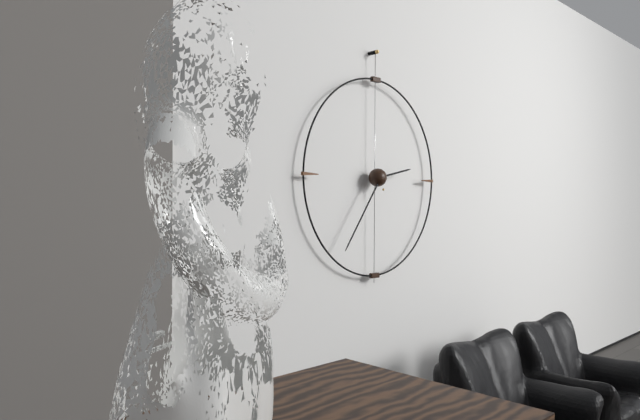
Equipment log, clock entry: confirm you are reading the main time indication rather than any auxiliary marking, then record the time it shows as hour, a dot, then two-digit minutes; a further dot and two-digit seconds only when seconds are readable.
2.36
